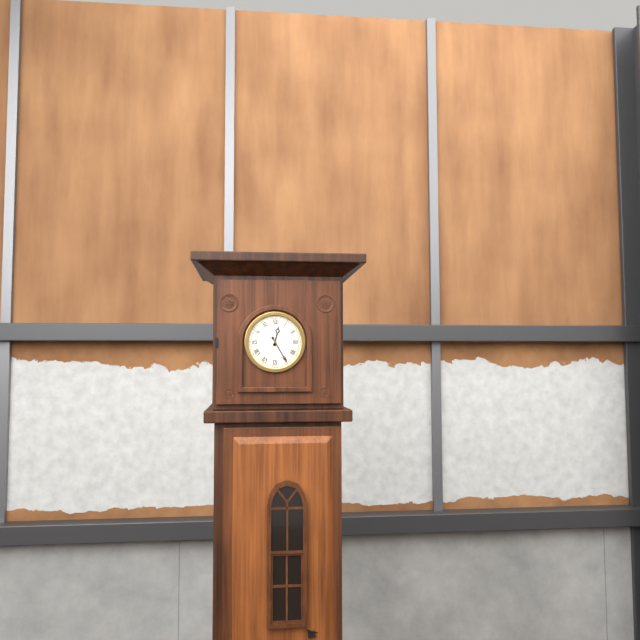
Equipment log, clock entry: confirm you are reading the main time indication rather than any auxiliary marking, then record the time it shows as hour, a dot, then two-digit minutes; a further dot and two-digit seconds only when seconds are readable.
12.25
